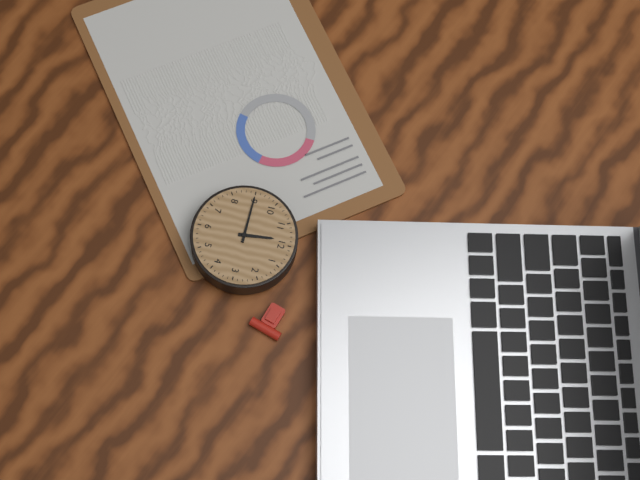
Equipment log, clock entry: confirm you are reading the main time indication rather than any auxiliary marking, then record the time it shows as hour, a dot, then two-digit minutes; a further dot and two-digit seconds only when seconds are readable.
11.45
